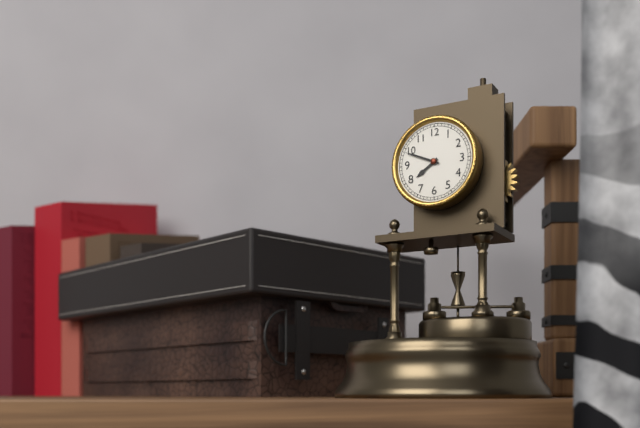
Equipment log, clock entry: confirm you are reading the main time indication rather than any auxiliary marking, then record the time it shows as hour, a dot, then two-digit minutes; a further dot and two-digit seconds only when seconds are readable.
7.49
